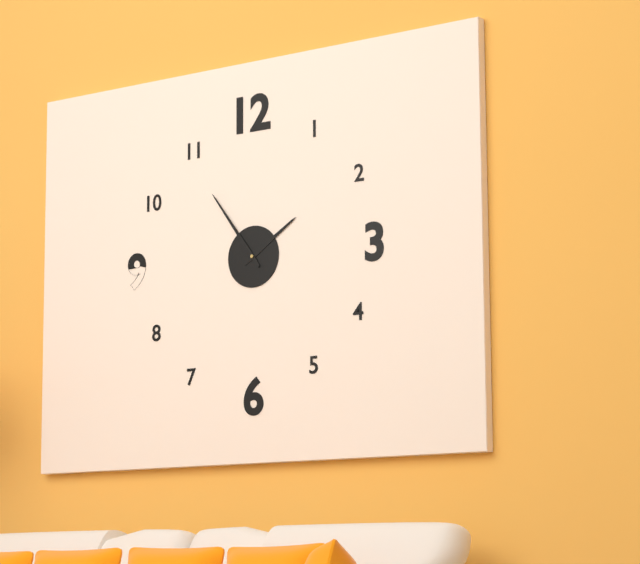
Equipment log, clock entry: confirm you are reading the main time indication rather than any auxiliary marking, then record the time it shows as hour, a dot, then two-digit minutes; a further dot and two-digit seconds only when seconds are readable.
1.54
